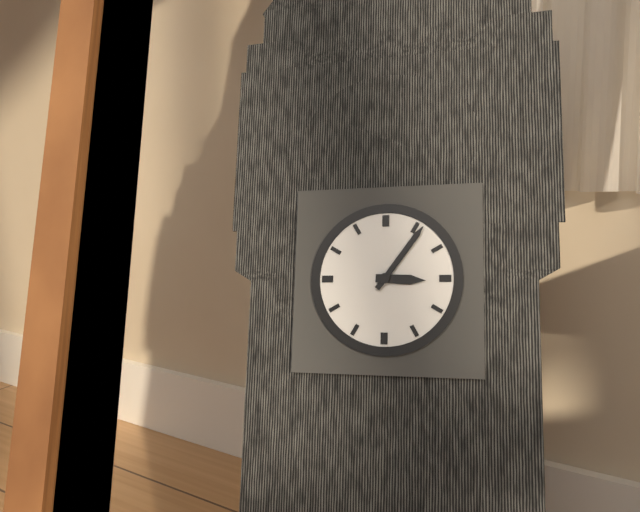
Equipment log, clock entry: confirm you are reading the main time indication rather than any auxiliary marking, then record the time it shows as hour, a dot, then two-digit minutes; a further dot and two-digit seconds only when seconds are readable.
3.06
